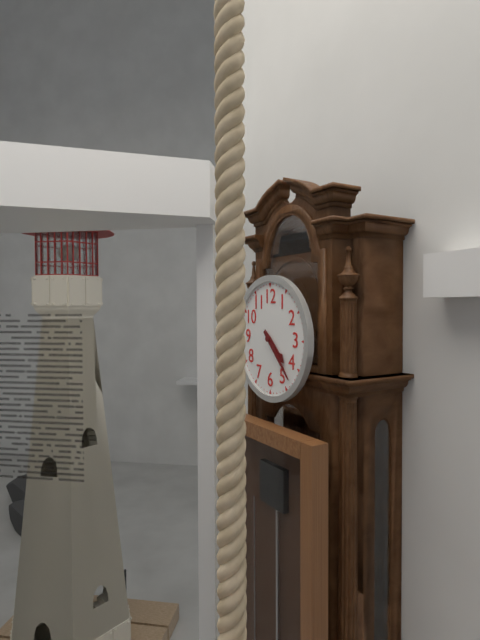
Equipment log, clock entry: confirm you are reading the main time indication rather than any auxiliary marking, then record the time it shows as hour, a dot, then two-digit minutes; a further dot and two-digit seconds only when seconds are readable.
4.23
